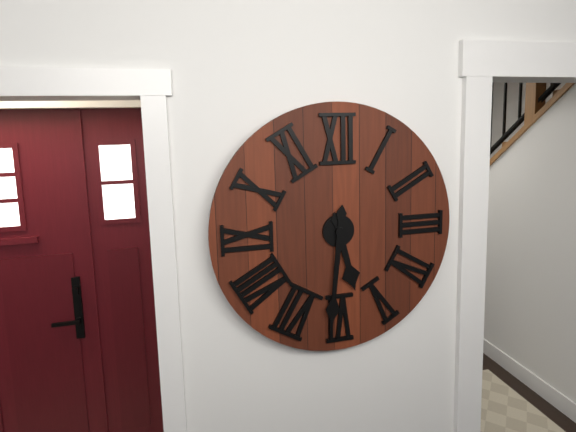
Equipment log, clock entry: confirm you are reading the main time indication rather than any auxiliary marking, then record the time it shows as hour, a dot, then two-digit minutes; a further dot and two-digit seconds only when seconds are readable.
5.31
